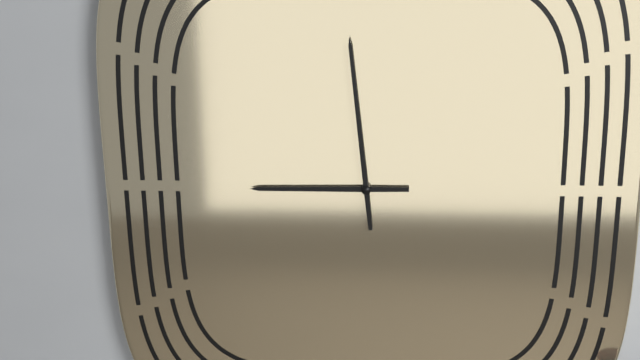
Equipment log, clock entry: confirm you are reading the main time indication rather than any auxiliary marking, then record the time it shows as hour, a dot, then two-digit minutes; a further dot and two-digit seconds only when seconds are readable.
8.59
